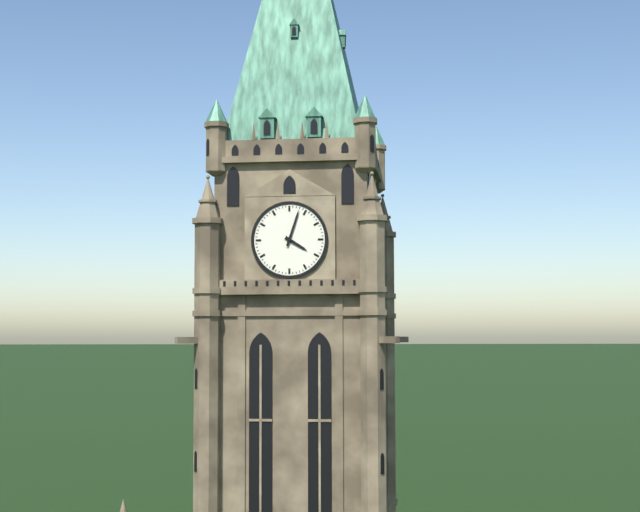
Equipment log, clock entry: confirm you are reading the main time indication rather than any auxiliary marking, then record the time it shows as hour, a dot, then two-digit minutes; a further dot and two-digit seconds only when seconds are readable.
4.03
